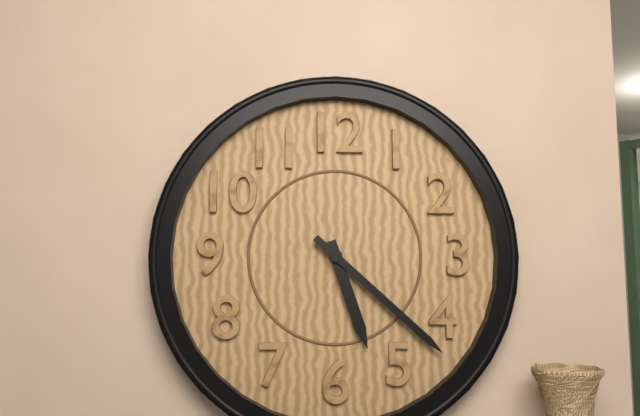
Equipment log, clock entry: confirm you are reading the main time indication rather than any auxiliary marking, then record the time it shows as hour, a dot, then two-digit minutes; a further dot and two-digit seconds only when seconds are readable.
5.22
